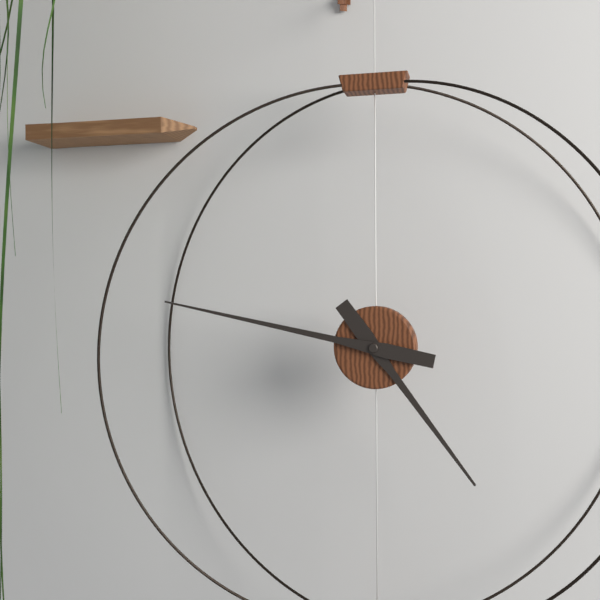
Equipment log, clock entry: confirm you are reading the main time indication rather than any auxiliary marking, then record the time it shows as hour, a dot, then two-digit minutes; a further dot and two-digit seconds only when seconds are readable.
4.47
